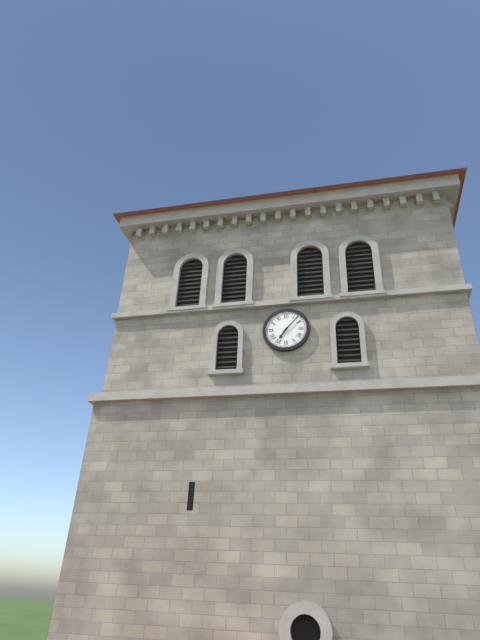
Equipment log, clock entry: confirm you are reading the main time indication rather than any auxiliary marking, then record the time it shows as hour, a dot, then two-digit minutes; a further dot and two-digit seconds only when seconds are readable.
7.07
